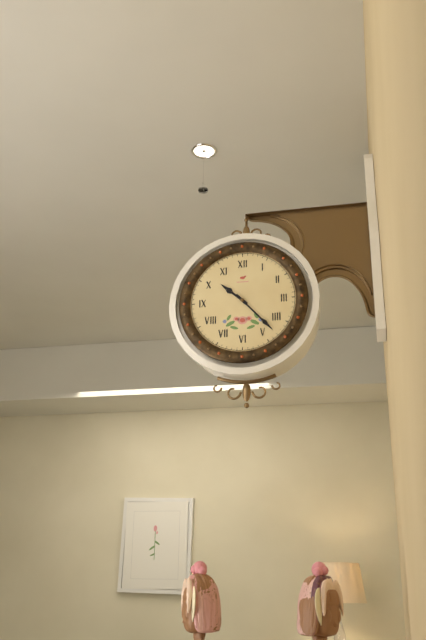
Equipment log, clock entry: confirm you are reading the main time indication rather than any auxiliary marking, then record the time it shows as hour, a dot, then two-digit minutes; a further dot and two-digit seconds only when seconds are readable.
10.23
